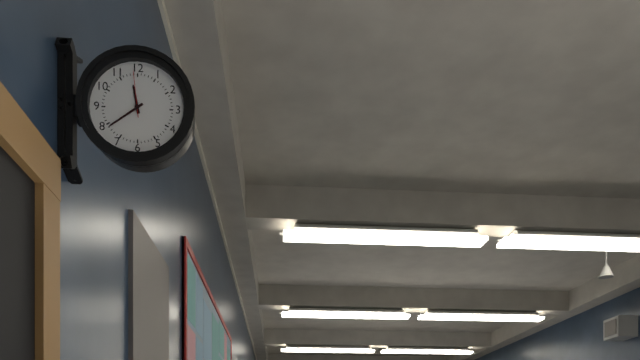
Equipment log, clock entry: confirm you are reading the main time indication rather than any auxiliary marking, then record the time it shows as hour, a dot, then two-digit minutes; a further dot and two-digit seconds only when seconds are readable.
11.39
